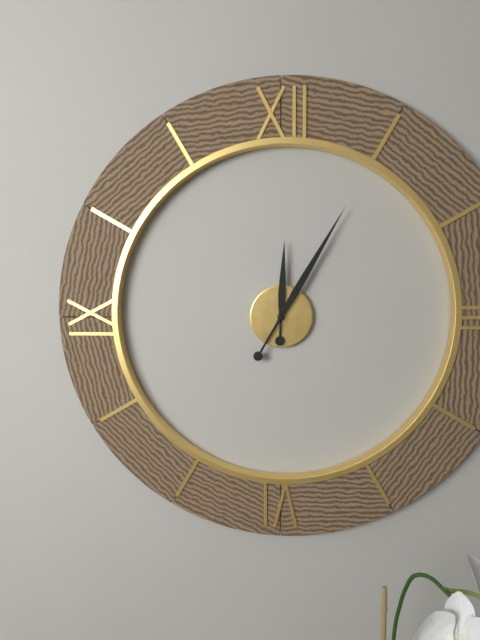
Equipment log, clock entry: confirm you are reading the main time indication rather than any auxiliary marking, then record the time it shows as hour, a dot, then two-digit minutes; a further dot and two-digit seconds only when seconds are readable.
12.05
